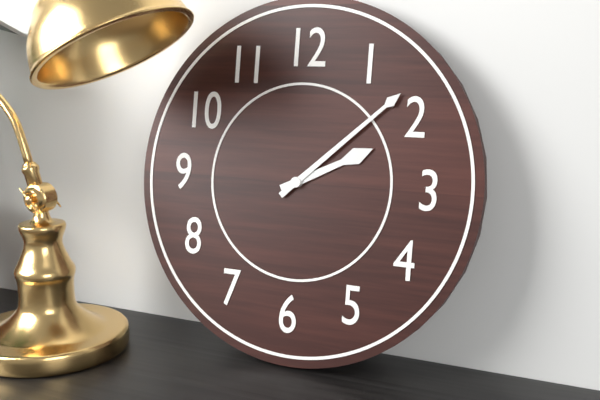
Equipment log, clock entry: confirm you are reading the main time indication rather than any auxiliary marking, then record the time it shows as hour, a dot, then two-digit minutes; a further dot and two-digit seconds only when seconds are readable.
2.08
